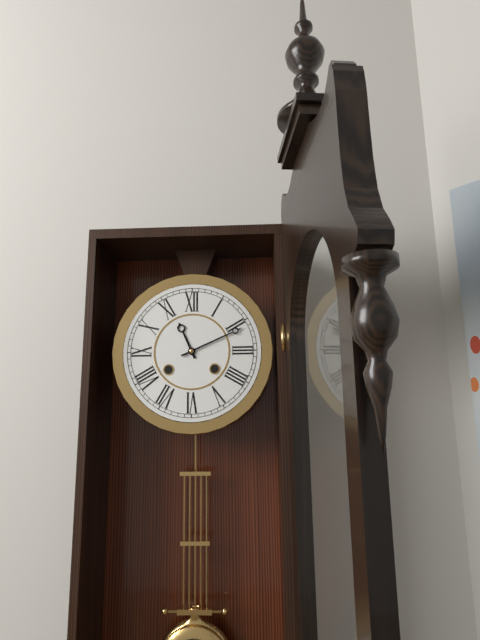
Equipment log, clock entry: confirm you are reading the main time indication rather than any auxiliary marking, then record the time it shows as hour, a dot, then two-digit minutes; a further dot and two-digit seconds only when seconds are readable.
11.11
